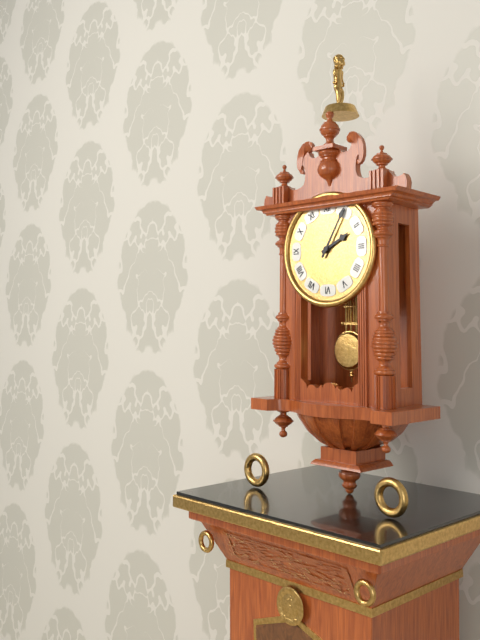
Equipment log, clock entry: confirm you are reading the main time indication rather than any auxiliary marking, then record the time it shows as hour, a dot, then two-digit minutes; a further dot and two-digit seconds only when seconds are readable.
2.05
